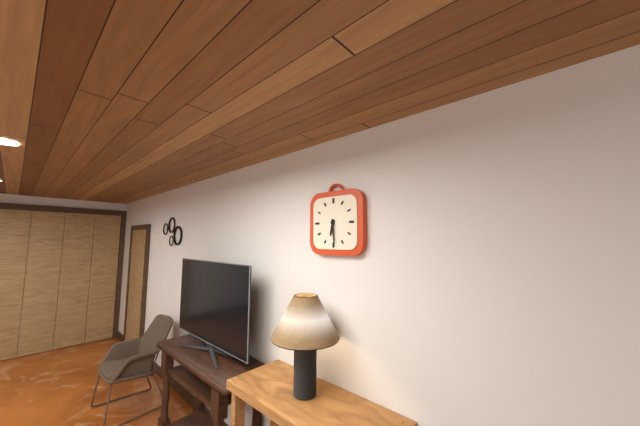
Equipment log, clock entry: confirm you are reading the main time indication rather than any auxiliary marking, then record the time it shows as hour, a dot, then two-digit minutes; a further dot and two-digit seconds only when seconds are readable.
6.29
